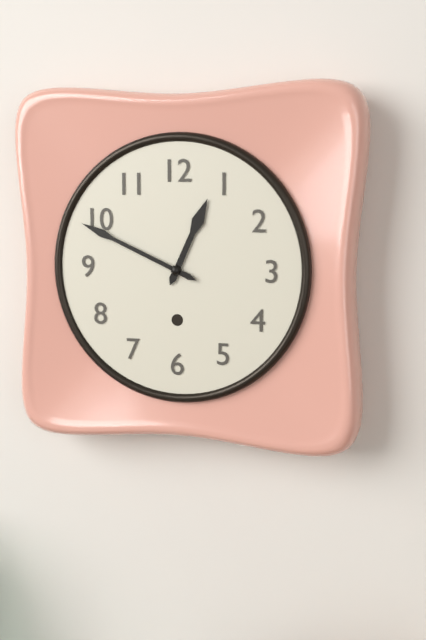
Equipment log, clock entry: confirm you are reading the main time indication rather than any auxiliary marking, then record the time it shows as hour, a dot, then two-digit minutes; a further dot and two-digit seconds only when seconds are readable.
12.49
